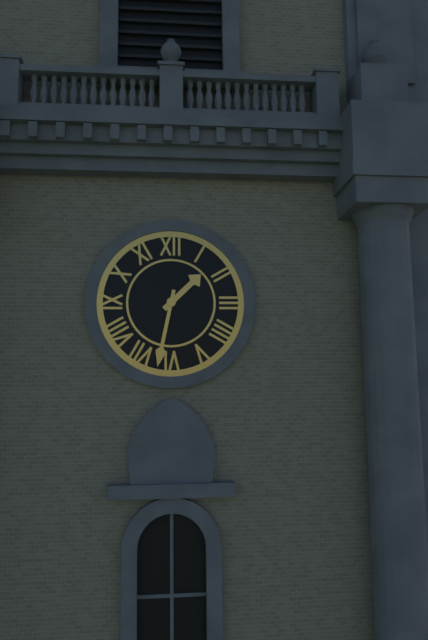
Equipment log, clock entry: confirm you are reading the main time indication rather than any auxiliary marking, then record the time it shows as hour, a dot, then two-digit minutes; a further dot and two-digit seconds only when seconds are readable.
1.32
